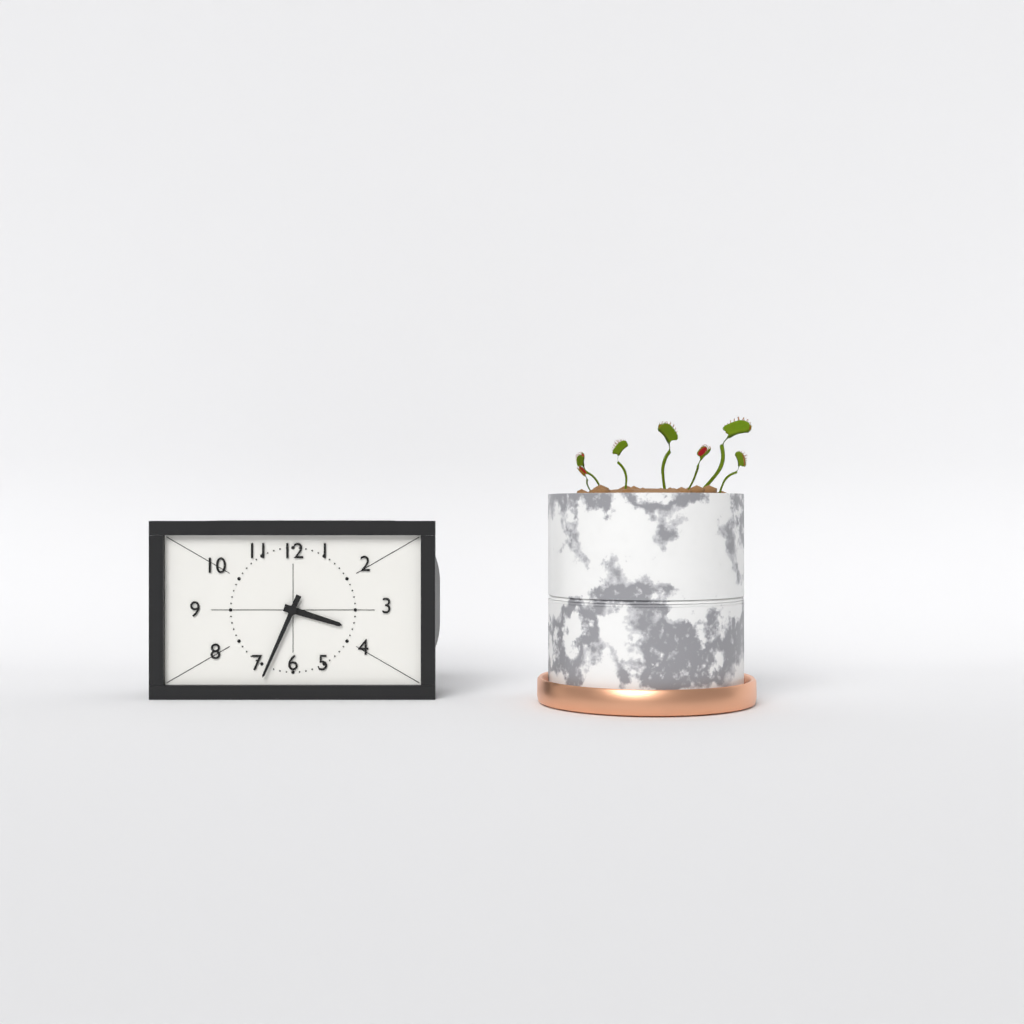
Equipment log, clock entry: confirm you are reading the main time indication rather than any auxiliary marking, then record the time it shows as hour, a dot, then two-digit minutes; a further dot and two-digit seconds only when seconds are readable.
3.34
